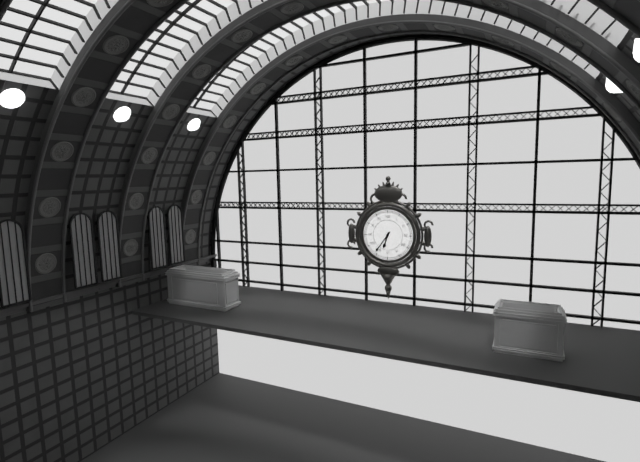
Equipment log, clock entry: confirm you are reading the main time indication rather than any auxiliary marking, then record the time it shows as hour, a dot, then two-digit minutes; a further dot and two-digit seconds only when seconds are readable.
6.36
